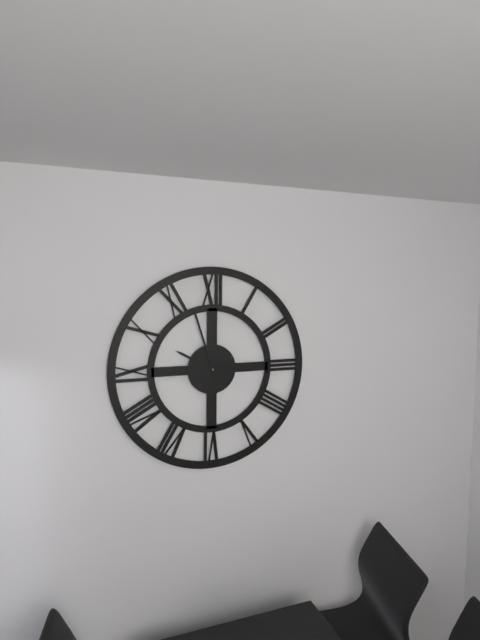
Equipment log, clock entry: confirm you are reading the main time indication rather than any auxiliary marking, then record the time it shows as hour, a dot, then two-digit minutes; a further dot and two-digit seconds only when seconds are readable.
9.57
